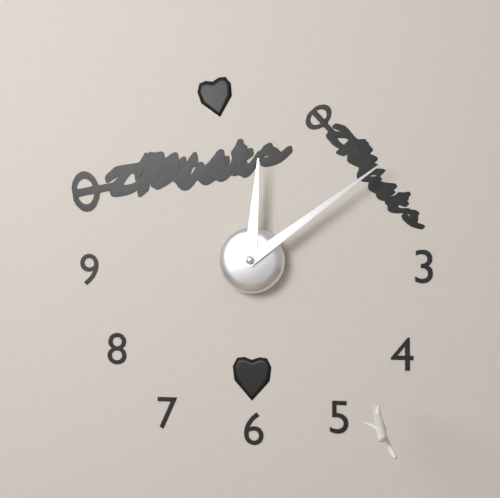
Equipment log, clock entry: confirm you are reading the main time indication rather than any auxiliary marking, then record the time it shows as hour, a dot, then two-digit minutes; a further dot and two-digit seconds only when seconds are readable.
12.09
